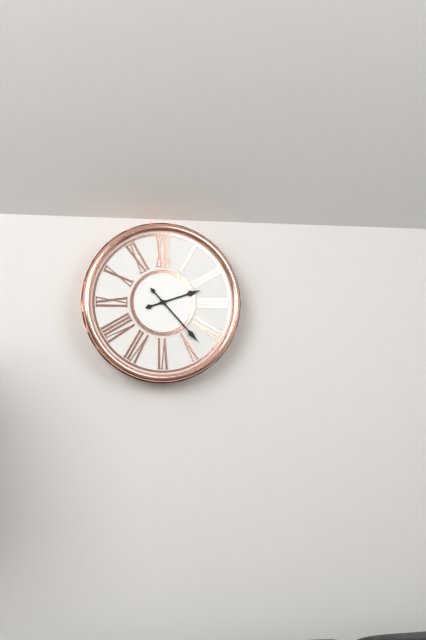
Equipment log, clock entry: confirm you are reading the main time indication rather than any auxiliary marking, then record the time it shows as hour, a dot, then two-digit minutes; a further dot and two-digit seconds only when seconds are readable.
2.23
